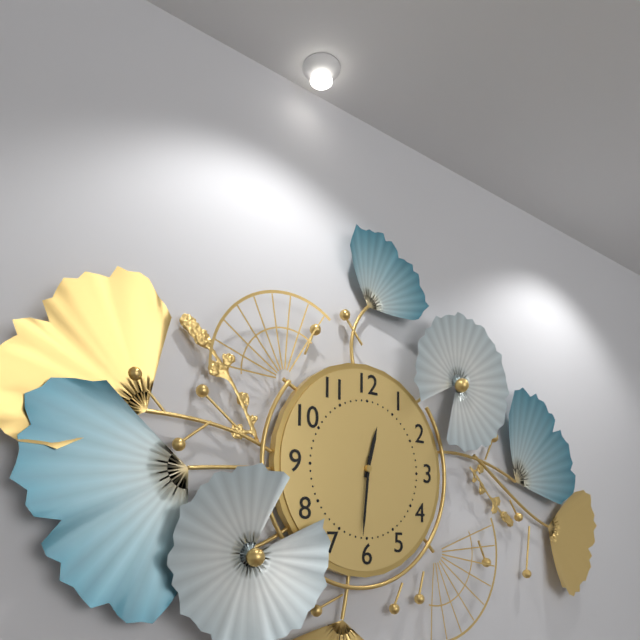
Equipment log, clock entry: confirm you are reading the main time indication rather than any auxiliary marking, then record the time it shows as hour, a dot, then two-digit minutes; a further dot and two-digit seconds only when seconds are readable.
12.31
